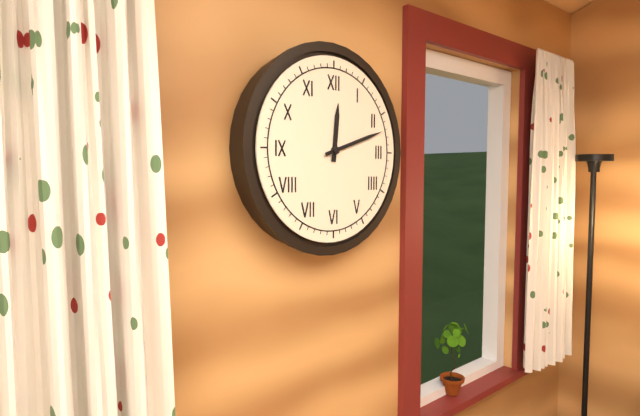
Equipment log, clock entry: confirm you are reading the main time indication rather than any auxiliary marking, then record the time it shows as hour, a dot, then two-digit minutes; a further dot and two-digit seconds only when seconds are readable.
12.12
